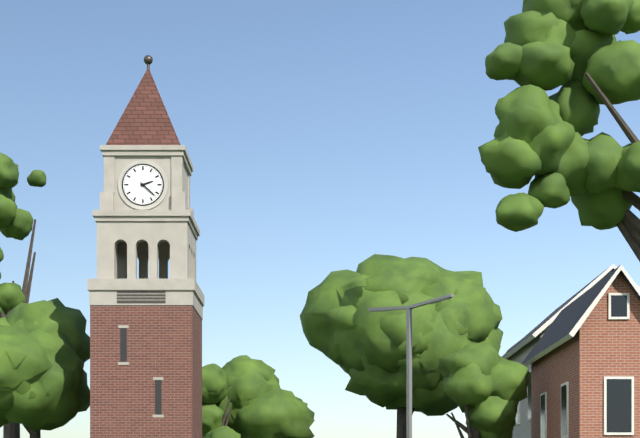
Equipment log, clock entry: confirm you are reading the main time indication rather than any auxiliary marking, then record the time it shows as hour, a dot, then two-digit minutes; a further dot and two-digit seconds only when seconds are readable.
2.22
